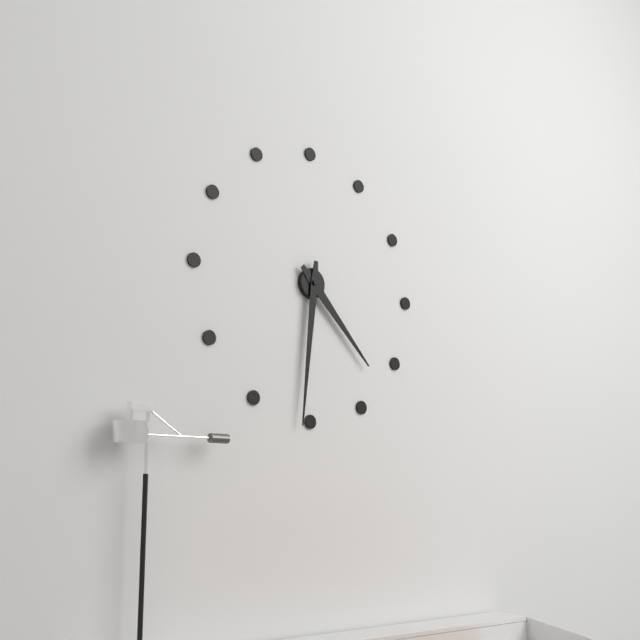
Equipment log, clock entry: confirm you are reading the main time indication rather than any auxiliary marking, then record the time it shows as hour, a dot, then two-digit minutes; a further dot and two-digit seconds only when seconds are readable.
4.31
